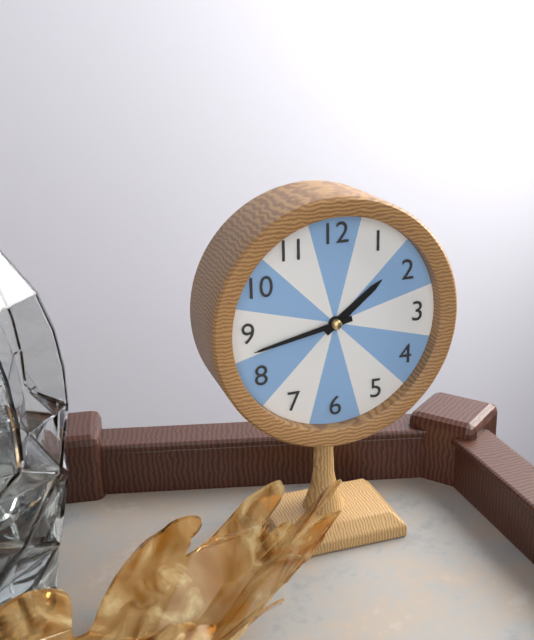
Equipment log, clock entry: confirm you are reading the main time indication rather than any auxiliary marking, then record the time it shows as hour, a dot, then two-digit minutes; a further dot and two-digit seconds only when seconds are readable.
1.43
